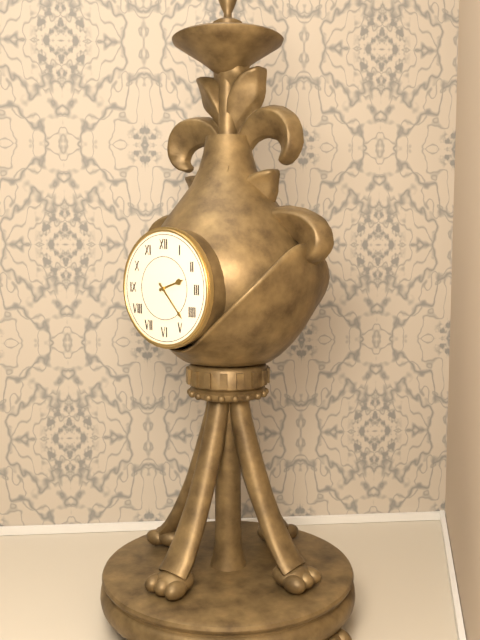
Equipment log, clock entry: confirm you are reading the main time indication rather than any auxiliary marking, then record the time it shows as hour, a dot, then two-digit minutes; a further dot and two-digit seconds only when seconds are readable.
2.23
